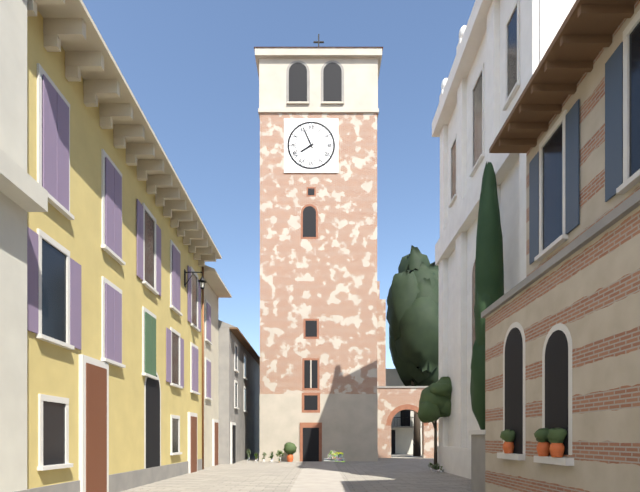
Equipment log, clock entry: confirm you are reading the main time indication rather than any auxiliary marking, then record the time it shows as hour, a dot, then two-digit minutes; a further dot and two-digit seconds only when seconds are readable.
7.56
